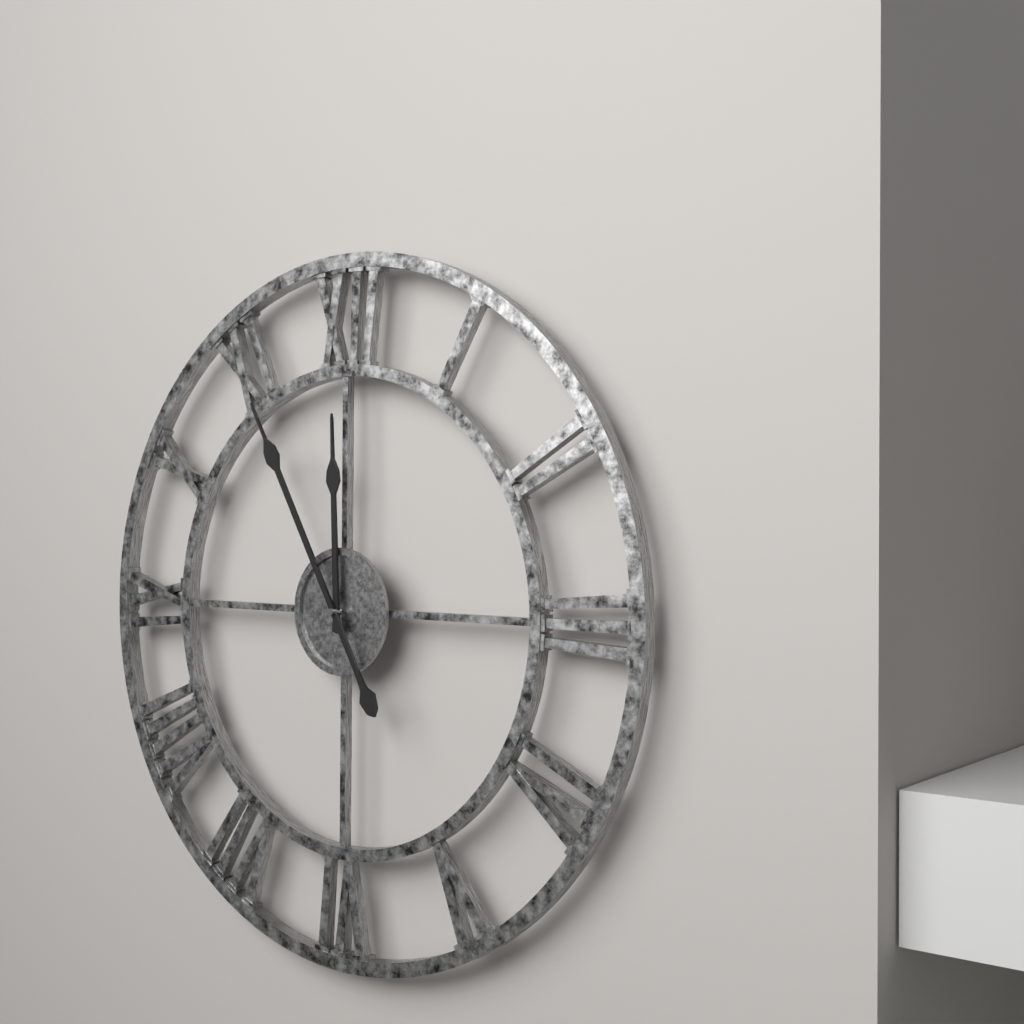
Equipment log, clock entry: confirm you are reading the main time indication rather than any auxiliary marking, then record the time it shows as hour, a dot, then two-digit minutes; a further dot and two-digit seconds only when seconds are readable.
11.55
